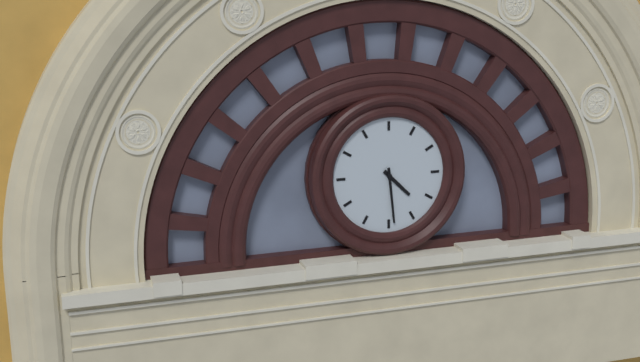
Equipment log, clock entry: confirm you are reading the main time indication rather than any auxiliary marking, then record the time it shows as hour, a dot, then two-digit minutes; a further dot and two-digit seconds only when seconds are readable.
4.29
